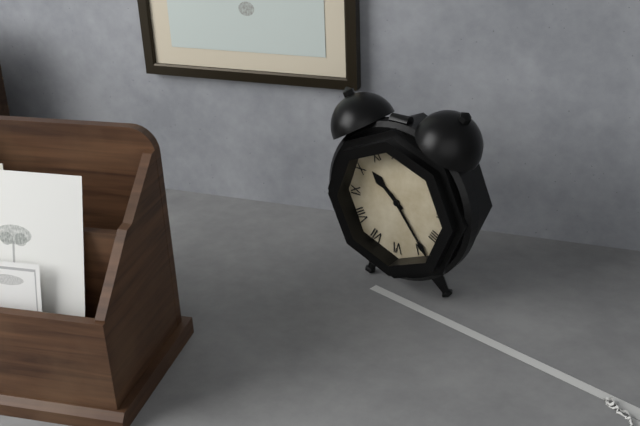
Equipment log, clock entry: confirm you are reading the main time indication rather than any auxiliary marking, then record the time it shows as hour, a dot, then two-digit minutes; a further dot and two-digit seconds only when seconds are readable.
10.24
